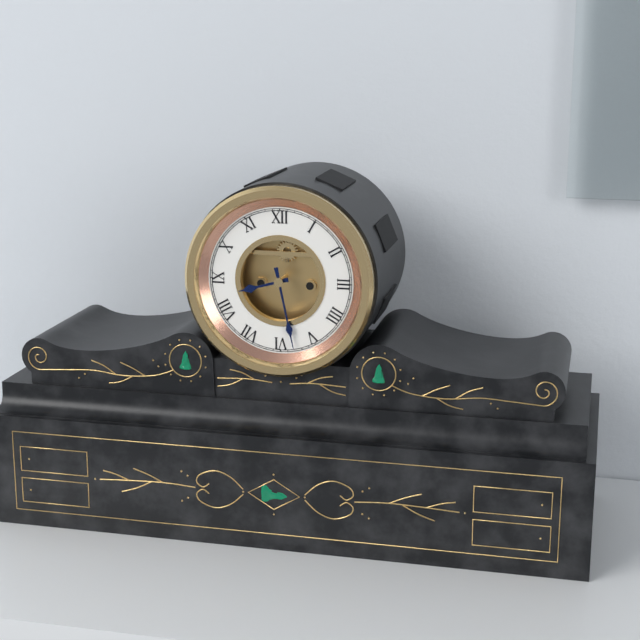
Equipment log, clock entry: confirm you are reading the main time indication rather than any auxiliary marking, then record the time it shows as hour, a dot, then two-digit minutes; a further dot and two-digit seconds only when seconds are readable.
8.28
